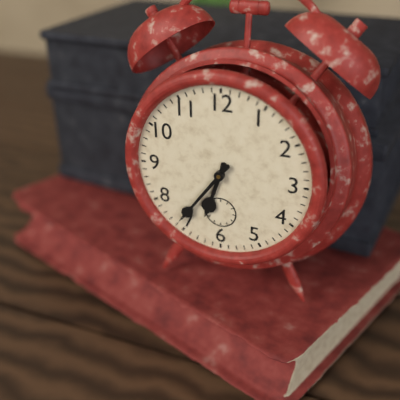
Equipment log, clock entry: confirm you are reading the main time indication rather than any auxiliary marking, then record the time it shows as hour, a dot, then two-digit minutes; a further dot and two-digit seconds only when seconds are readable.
6.36
